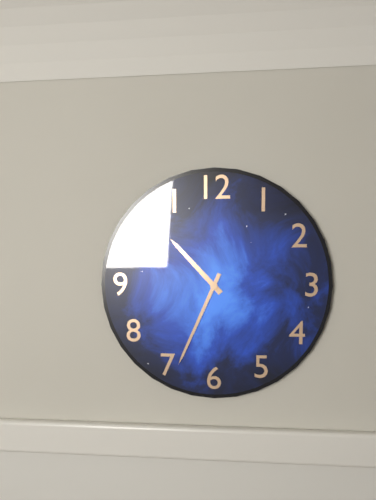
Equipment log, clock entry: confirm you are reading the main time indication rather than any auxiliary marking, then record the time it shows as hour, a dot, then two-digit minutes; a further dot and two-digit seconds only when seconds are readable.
10.34
